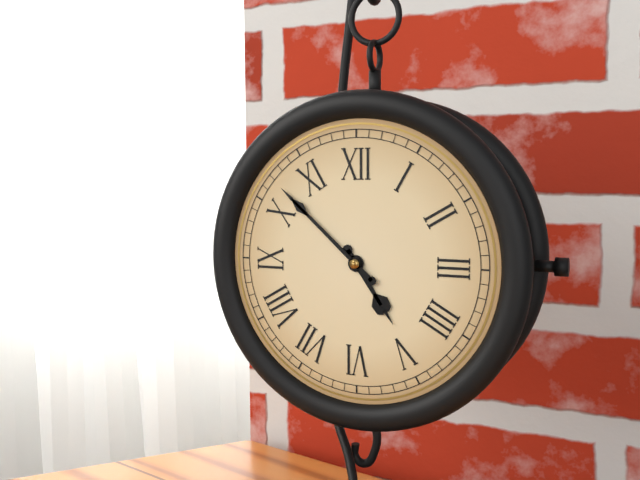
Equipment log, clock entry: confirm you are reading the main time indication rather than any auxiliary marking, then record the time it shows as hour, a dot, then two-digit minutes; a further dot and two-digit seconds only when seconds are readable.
4.52
